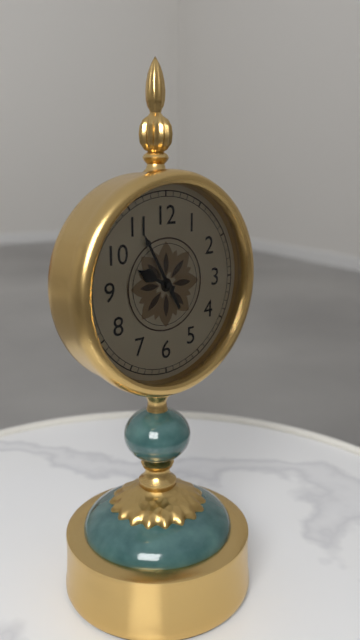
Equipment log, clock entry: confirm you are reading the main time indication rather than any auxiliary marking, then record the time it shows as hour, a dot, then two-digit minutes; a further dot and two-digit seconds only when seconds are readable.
9.55
